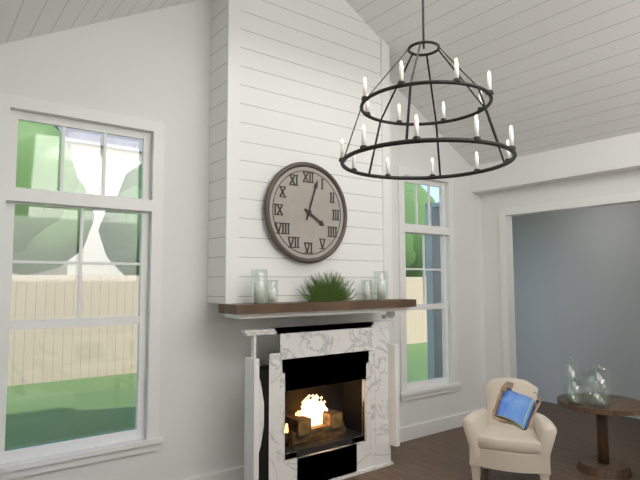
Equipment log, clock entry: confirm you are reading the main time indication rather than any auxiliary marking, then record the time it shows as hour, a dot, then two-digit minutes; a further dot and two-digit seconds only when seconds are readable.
4.03
